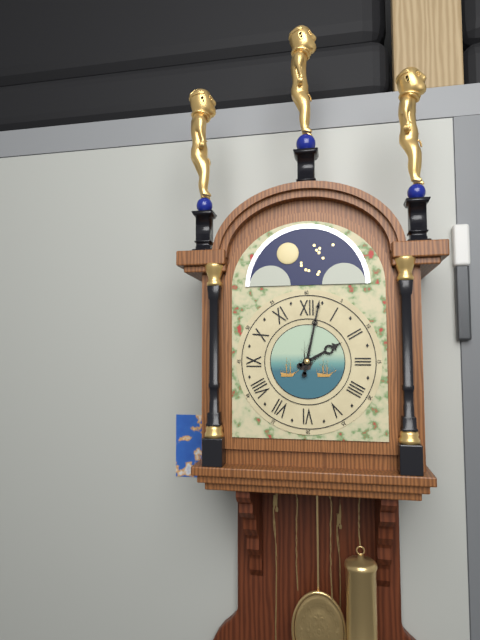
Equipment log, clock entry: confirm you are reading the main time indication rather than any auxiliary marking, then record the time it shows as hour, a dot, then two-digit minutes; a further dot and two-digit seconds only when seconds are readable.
2.02
